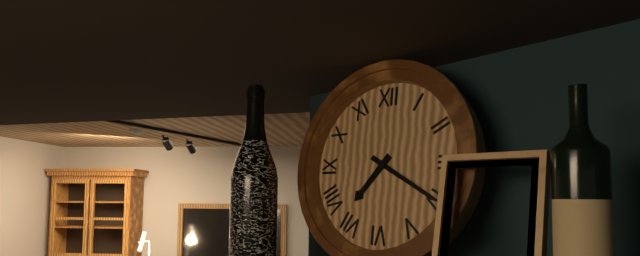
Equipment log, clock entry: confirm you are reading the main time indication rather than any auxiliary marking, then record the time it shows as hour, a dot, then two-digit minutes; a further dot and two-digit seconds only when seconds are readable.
7.20
